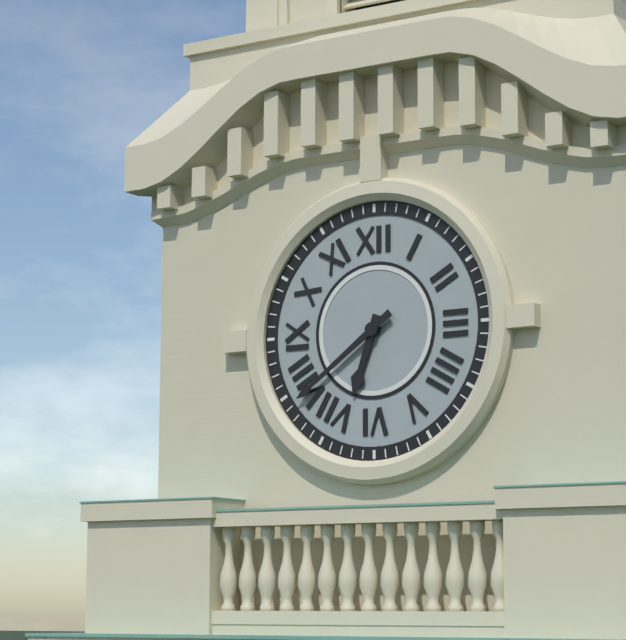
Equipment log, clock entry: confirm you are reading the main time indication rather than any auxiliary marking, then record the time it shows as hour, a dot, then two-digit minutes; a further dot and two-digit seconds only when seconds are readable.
6.39
